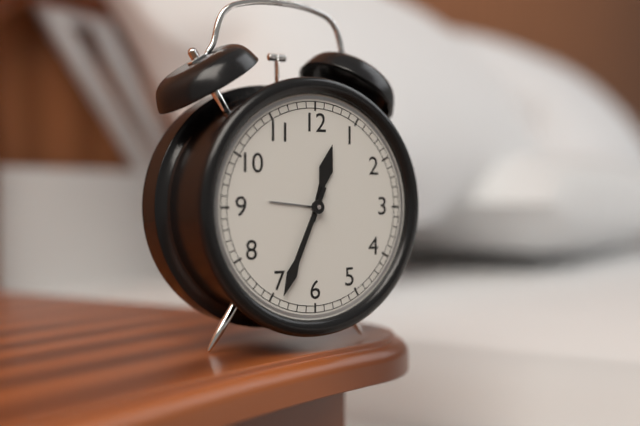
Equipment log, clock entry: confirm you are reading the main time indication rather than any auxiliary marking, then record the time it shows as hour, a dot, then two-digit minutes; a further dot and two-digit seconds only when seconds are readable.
12.34
